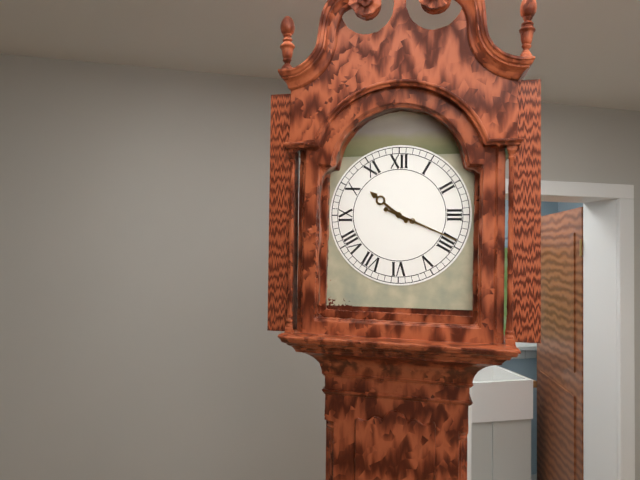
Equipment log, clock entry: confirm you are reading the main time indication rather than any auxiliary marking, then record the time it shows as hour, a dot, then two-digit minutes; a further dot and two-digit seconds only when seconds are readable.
10.19
